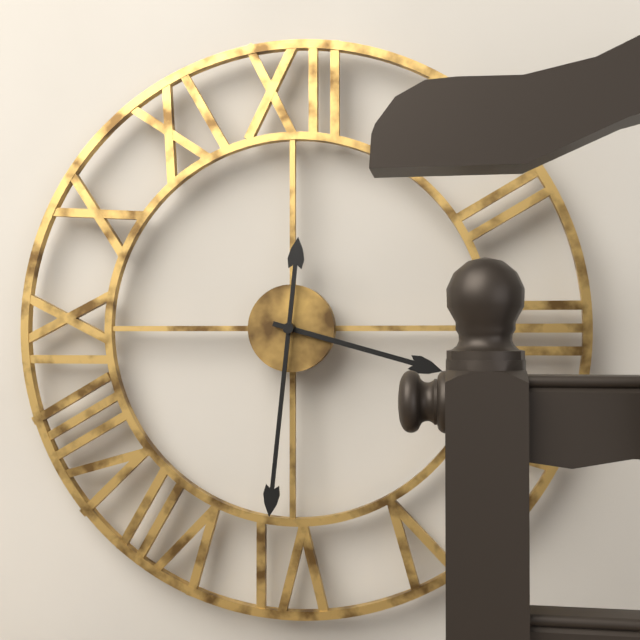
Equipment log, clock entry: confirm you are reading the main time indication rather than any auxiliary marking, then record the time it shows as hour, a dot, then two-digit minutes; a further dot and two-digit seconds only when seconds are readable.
3.31
